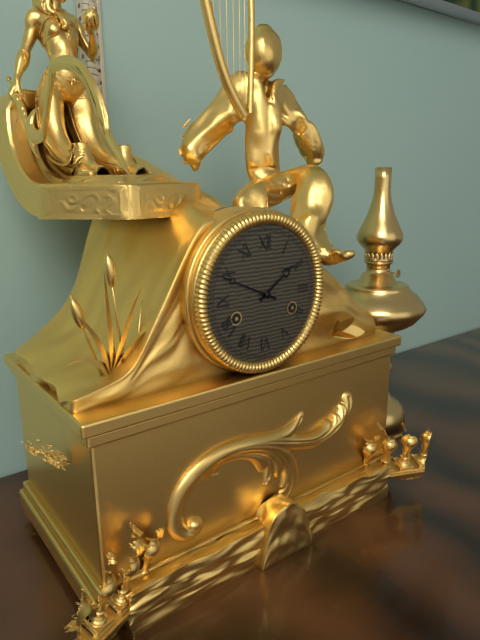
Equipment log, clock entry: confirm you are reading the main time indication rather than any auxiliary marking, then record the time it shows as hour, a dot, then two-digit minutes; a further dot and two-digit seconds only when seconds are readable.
1.49
